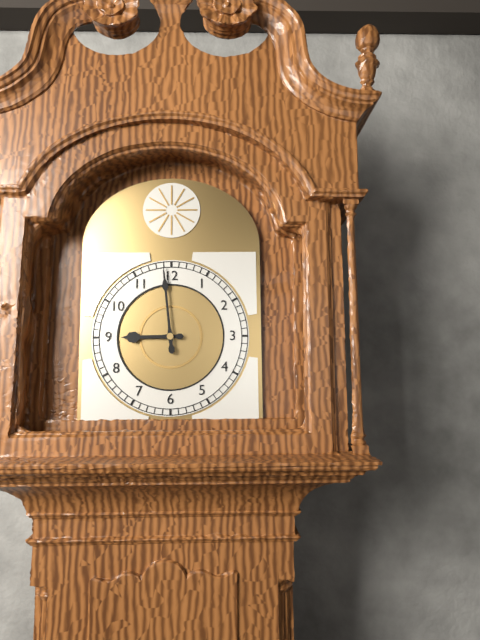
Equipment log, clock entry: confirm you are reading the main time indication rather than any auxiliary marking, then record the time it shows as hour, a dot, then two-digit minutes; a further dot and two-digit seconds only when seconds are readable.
8.59
